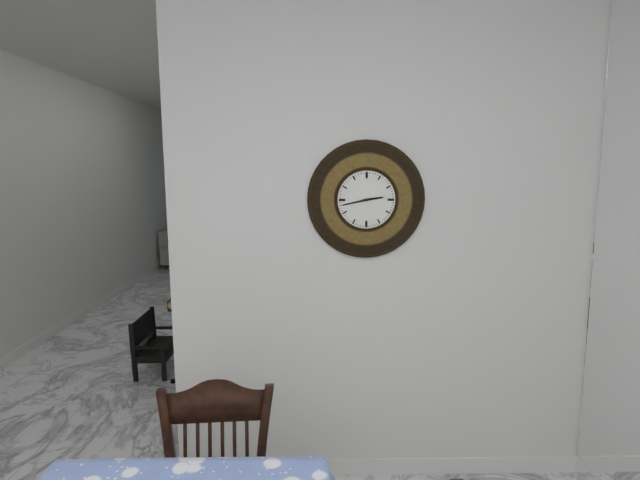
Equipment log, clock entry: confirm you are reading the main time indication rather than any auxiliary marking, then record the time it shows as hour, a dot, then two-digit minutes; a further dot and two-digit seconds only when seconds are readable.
2.43
